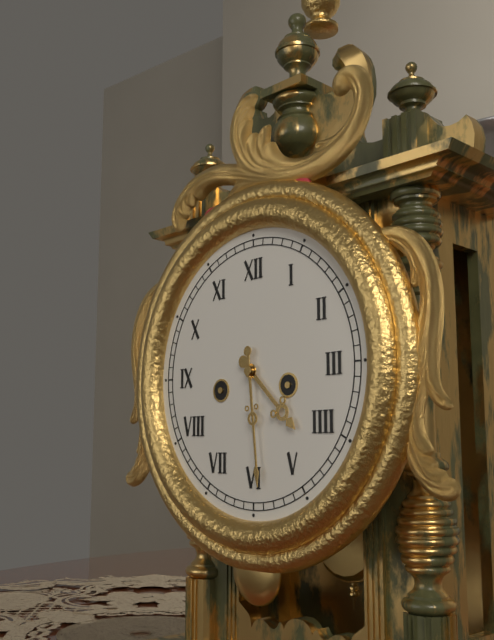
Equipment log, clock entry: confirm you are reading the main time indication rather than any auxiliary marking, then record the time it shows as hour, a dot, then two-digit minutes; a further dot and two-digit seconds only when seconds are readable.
4.29
